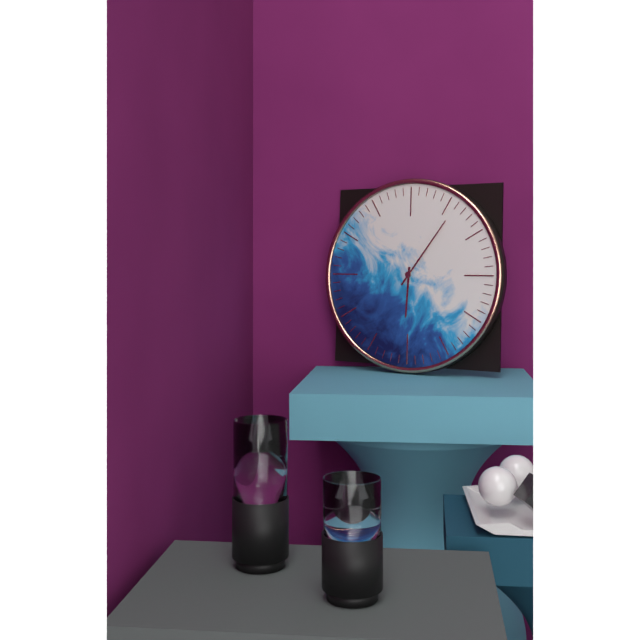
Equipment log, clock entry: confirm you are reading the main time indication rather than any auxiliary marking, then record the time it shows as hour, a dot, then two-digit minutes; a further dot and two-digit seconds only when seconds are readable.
6.06
